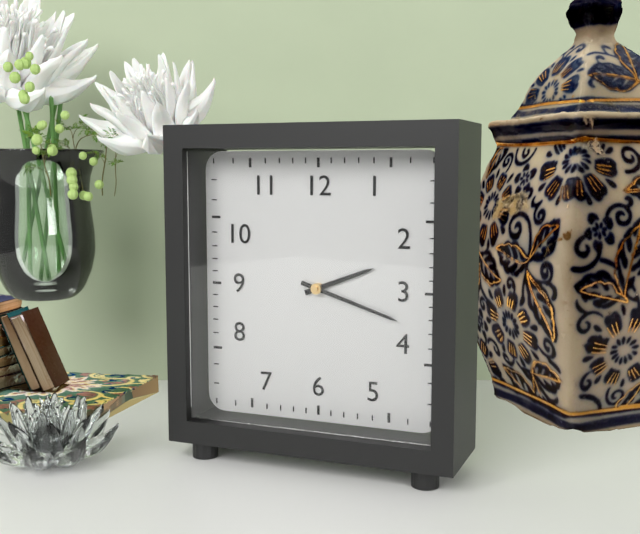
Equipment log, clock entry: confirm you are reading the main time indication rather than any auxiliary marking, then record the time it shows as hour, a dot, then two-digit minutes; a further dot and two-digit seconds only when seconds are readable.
2.18
